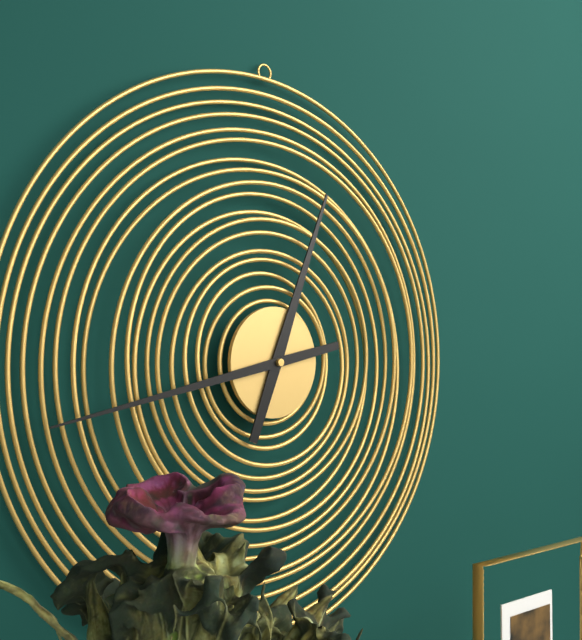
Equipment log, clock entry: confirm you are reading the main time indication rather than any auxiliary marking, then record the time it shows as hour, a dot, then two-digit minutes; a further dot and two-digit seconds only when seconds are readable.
12.43
